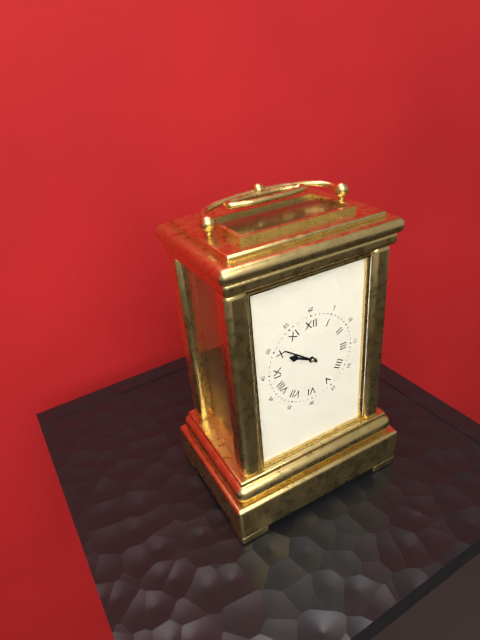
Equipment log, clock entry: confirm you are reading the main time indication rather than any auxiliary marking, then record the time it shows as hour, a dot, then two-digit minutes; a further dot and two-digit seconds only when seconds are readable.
9.51
